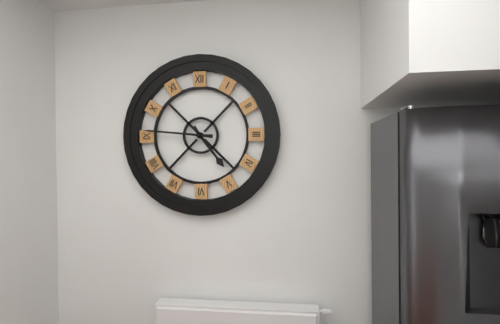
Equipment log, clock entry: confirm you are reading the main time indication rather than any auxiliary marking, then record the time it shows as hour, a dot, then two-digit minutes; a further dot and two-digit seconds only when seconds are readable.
4.46
